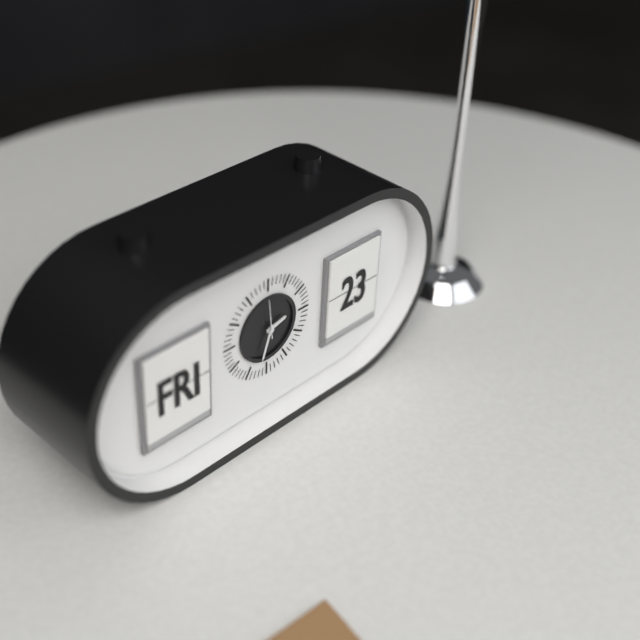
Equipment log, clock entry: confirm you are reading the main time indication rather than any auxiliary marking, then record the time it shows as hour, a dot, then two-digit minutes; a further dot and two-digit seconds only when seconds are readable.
2.33
